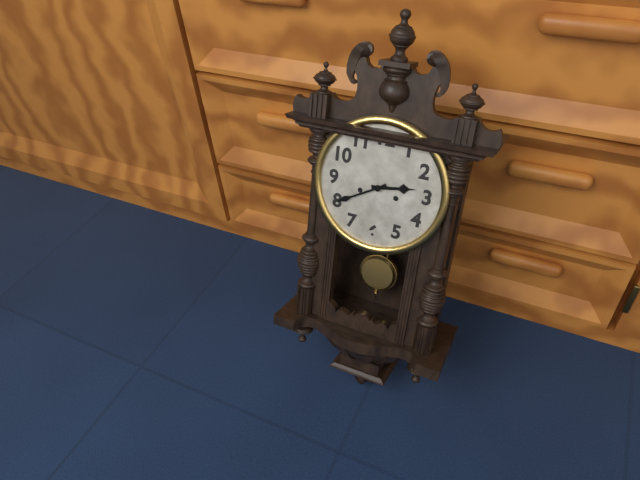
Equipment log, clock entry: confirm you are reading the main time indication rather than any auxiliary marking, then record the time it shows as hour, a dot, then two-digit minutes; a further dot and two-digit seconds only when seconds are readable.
2.40
